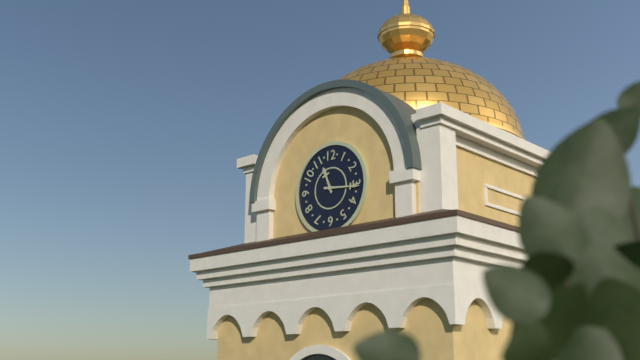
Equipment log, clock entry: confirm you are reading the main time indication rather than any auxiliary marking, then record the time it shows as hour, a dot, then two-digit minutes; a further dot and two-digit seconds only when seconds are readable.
11.16
